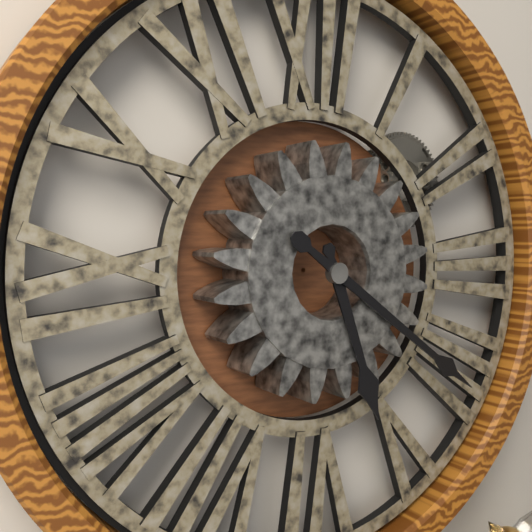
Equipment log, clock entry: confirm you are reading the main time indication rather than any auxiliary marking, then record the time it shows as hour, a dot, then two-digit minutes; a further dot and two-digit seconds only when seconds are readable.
5.21
